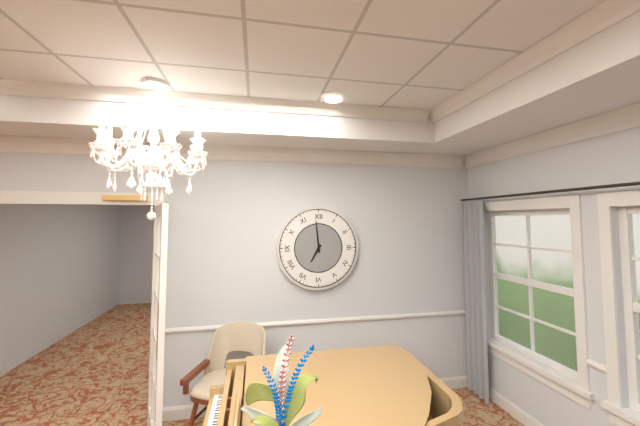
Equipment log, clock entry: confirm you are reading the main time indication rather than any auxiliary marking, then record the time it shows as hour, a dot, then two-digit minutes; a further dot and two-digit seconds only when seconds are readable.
6.59
